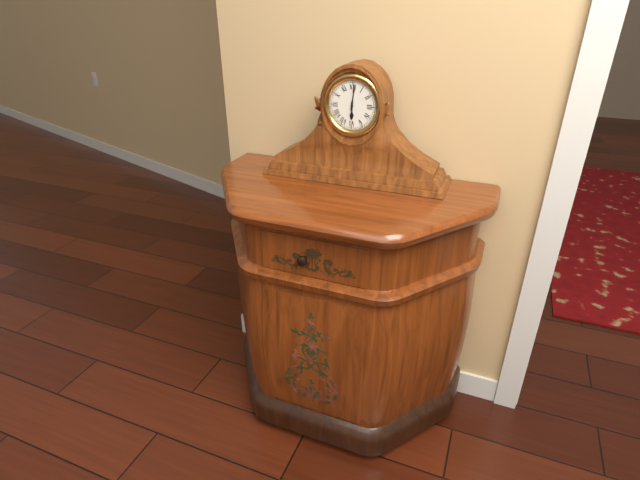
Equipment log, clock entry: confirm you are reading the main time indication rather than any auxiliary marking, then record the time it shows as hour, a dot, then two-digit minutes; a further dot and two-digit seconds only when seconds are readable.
6.01
